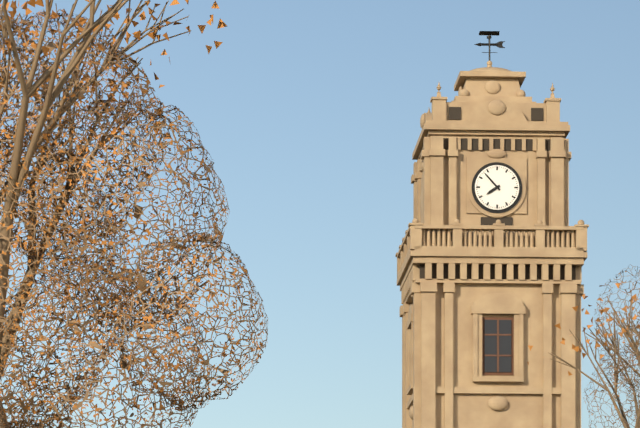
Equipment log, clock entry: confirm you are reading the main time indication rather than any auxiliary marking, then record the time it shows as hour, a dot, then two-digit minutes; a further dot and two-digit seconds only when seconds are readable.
7.53
